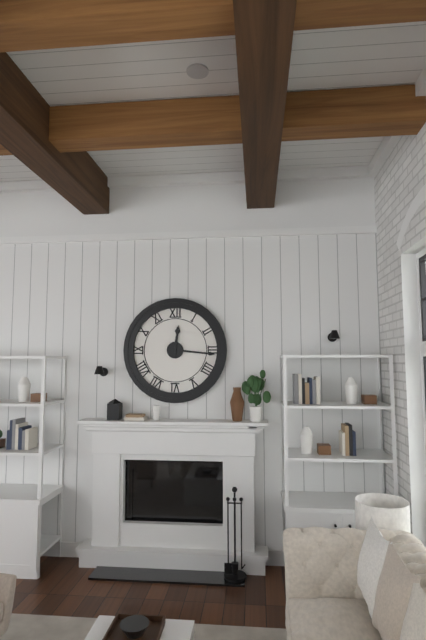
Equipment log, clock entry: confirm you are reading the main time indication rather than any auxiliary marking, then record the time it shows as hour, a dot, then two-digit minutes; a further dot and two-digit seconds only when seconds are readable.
12.16
